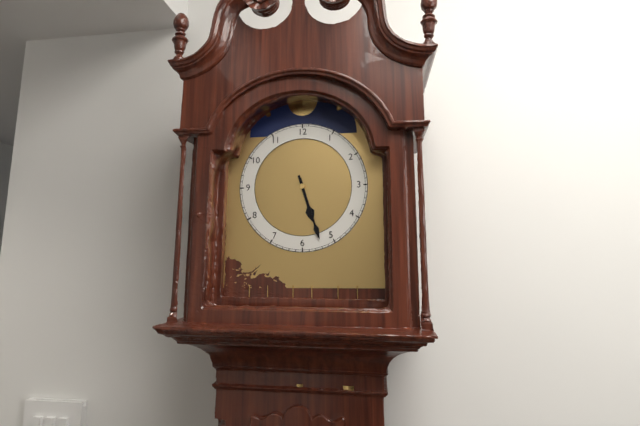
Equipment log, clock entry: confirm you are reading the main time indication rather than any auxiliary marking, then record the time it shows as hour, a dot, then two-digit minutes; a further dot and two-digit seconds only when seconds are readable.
5.27
